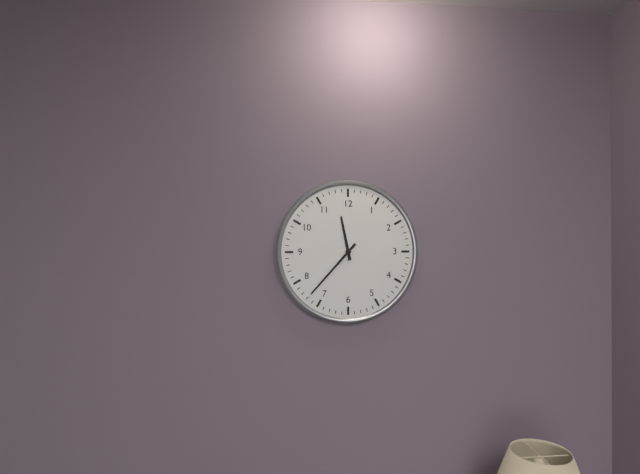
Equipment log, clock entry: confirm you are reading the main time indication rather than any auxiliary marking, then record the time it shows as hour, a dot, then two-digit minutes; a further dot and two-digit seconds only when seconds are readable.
11.37
